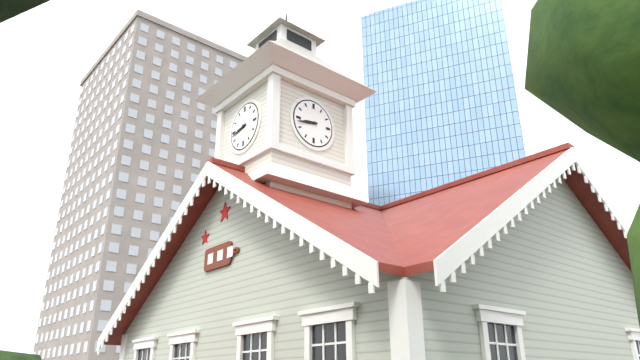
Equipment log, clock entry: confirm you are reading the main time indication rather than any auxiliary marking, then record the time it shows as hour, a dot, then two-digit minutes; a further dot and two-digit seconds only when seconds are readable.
8.43
